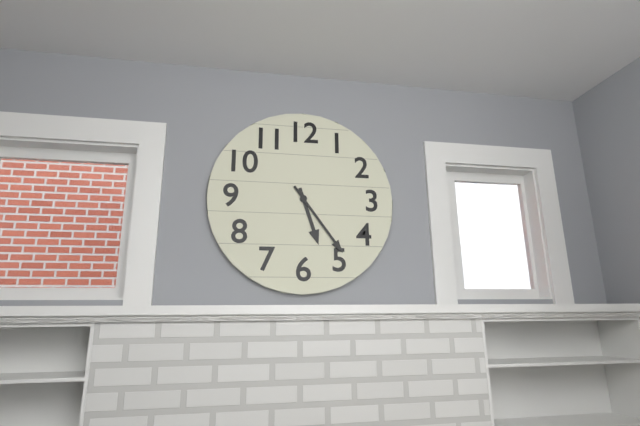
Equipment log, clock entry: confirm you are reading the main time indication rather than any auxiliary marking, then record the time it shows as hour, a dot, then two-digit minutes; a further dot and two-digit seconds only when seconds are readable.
5.24
